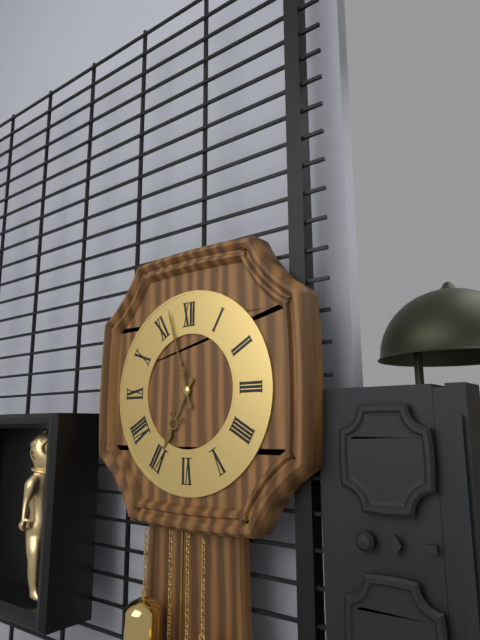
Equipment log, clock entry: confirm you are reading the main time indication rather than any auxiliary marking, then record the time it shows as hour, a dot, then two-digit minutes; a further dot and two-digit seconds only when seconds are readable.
6.57
